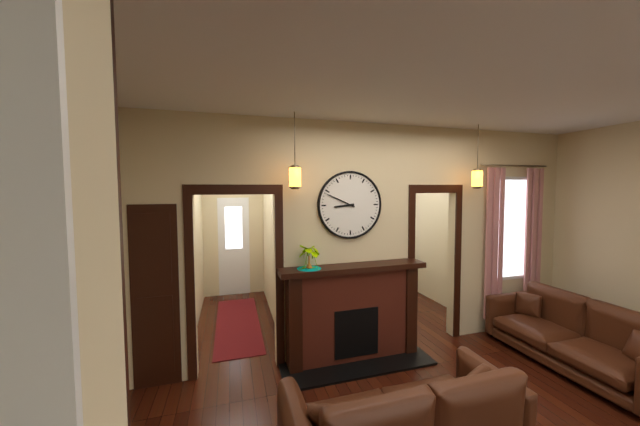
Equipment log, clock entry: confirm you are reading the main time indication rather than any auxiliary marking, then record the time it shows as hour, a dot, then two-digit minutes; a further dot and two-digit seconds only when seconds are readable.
8.49
